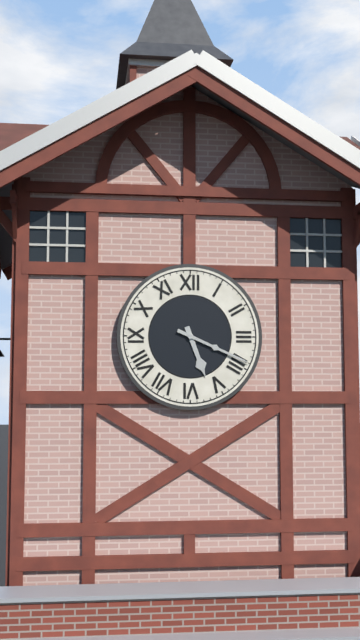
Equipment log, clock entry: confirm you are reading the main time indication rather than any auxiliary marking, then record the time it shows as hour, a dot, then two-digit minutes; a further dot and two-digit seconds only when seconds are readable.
5.19
